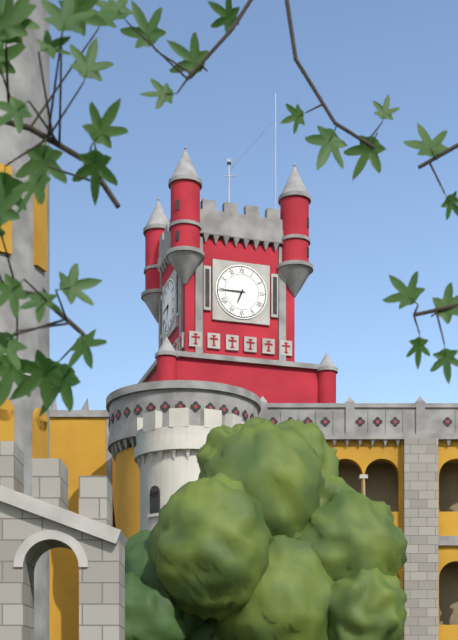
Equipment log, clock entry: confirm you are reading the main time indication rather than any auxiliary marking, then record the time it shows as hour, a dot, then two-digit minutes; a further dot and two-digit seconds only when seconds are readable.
6.45
